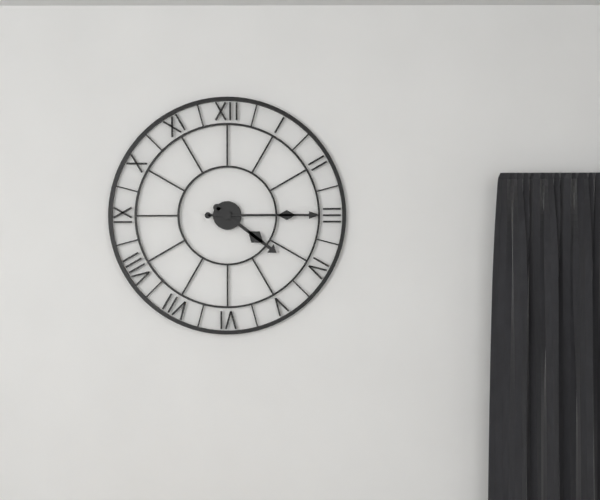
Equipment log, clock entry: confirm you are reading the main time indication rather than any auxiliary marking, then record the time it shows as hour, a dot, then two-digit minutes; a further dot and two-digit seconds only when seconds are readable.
4.15
